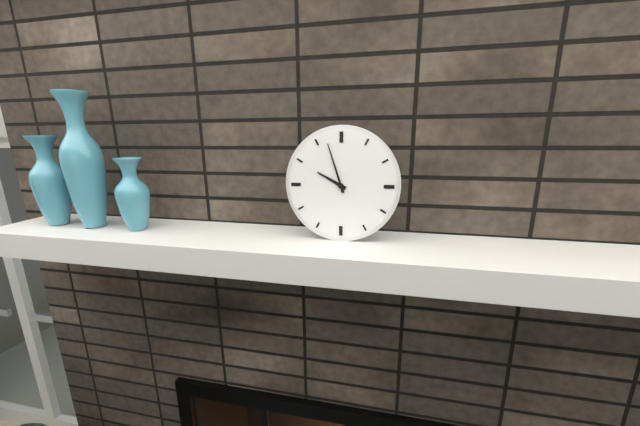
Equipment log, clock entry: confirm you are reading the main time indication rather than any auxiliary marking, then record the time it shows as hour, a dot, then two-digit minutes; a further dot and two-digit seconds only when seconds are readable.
9.57
